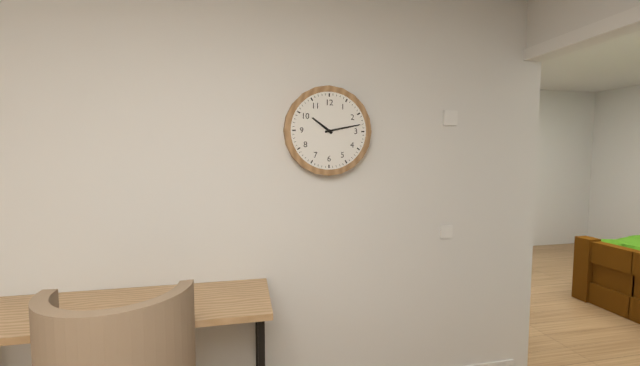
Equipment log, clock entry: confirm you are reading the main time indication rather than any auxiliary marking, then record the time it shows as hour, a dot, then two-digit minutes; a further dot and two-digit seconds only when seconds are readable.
10.13
